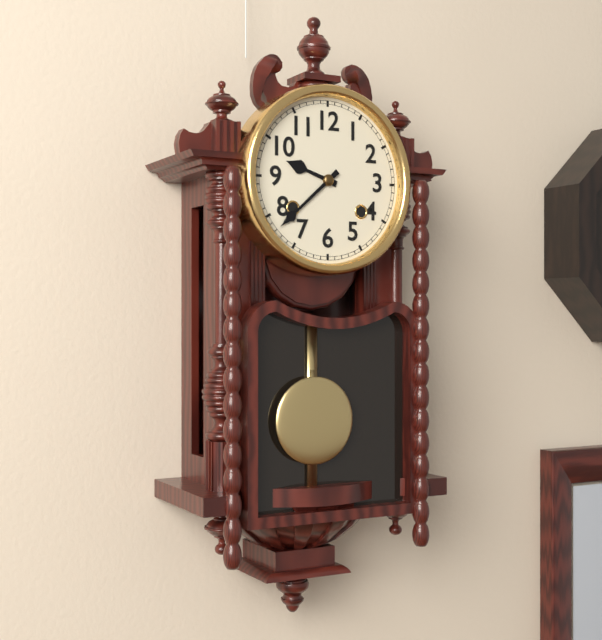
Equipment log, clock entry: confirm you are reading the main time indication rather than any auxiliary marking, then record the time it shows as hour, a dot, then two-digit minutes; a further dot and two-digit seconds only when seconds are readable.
9.38
